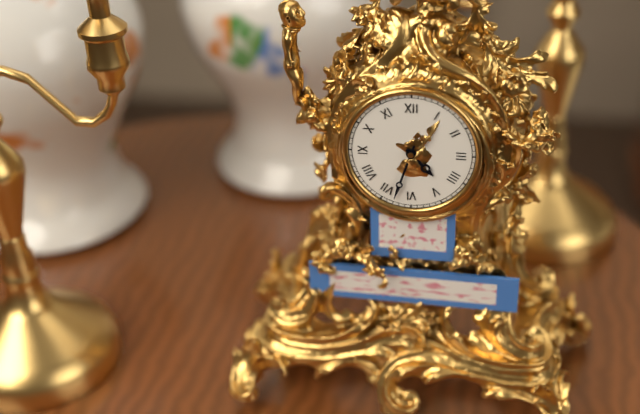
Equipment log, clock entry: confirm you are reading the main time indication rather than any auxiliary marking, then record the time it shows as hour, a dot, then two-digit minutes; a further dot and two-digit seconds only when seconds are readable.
4.33
